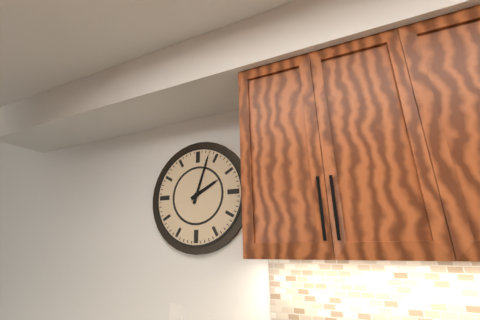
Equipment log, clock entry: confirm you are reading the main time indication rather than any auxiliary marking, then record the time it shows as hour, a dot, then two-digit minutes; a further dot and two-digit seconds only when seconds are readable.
2.03
